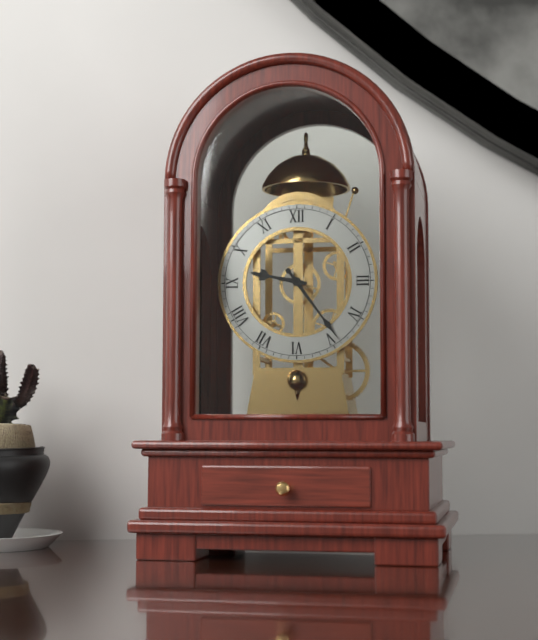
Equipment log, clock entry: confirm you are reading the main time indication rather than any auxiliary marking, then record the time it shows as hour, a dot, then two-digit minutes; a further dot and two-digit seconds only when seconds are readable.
9.24
